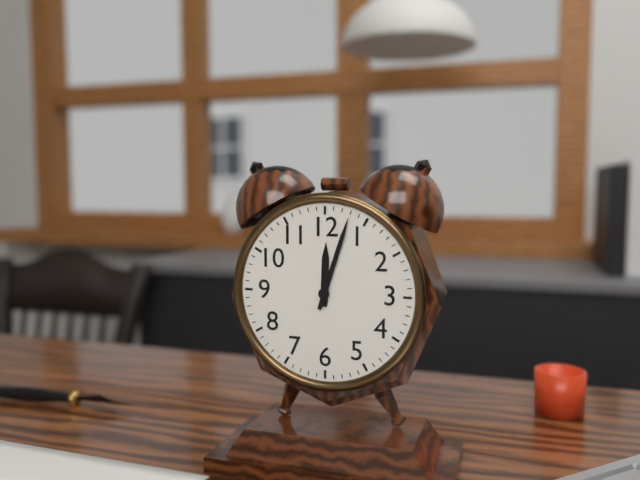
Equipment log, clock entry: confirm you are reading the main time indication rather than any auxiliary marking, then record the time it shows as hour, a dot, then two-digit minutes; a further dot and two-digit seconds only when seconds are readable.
12.03
